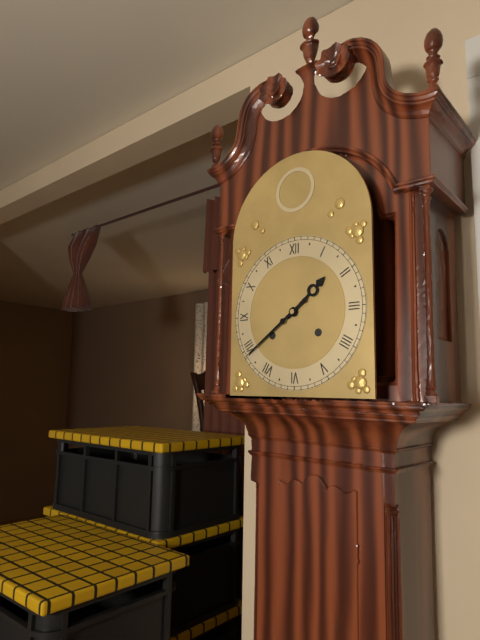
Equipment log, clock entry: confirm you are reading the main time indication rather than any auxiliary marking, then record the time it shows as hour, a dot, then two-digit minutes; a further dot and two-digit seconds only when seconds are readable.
1.39
